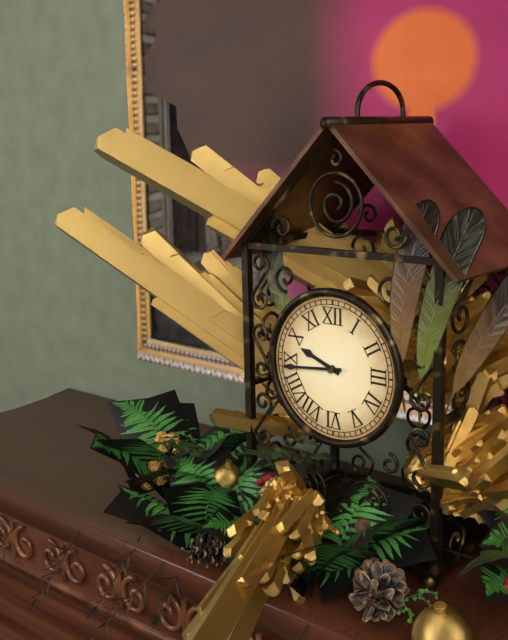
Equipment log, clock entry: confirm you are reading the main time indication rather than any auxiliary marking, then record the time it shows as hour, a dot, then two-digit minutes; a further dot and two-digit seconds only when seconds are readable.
9.44
